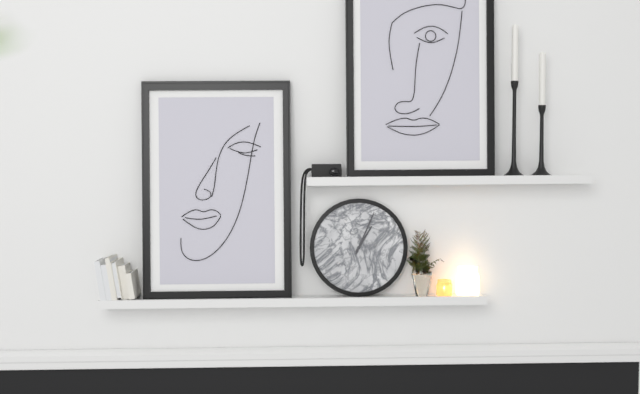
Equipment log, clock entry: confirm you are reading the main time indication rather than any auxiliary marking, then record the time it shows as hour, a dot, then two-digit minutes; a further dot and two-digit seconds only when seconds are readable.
1.04
